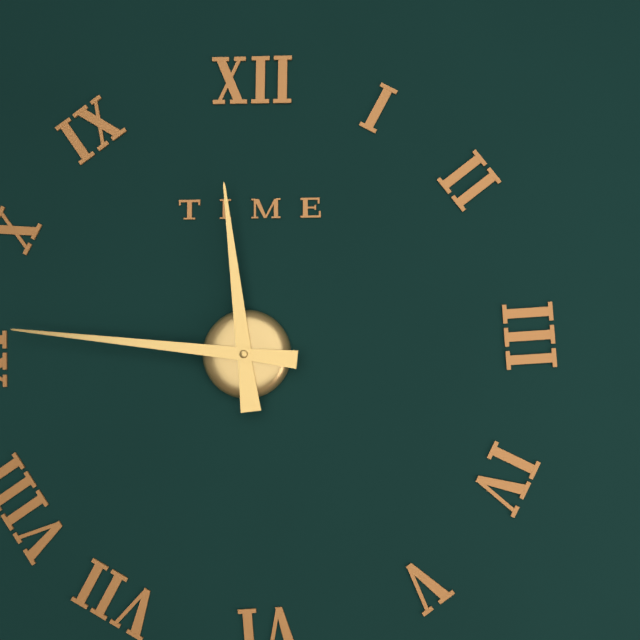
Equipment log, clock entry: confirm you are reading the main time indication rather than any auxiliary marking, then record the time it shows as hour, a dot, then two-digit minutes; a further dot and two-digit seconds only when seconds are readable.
11.46
